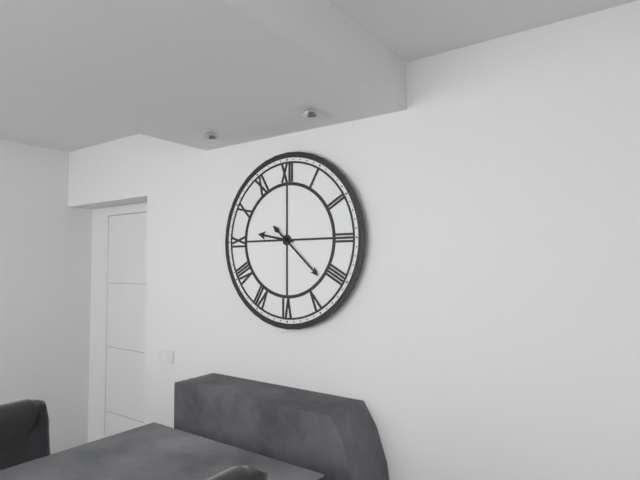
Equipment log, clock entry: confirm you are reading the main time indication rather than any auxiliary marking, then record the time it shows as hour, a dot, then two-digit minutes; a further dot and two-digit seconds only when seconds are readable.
9.22
